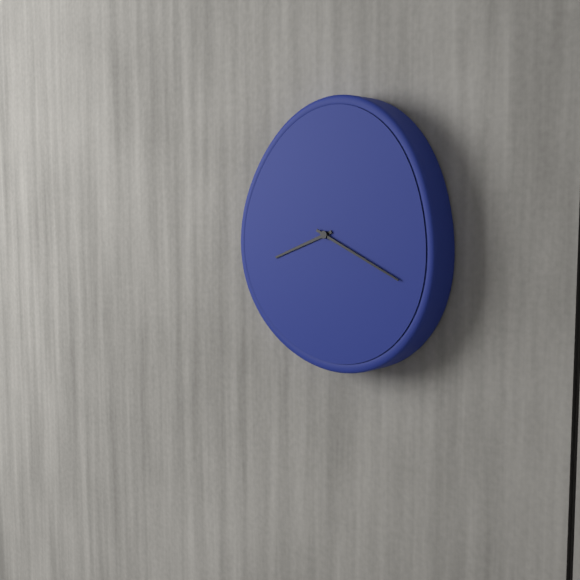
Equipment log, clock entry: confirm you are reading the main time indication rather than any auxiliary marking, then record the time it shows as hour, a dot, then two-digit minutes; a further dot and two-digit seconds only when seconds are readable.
8.19
